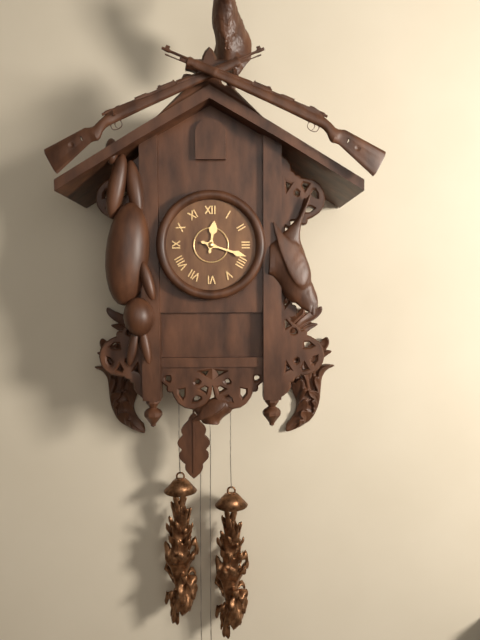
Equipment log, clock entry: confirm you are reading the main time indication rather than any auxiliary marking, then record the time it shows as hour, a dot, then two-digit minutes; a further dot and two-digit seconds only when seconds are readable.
12.18
